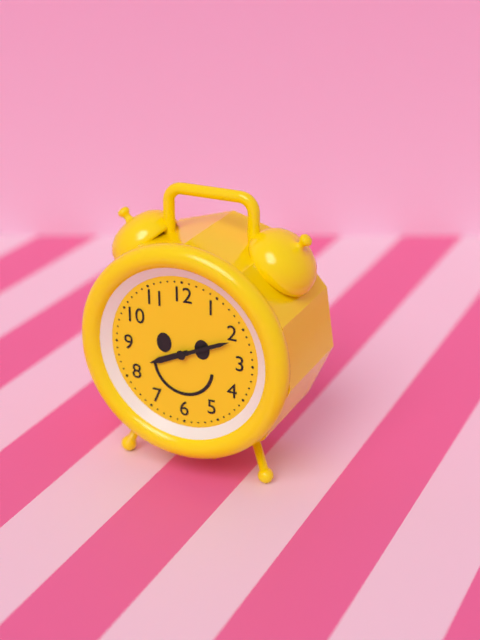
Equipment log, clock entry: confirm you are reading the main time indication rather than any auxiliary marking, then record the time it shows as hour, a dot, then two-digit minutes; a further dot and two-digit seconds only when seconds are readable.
8.11
